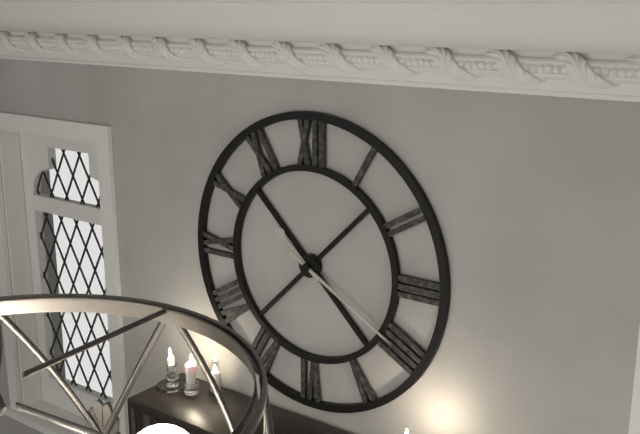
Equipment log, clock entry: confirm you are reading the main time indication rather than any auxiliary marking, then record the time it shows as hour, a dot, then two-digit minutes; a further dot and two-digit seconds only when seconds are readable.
10.20
